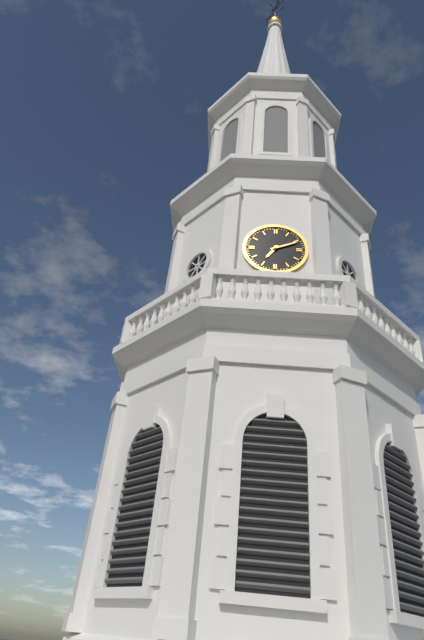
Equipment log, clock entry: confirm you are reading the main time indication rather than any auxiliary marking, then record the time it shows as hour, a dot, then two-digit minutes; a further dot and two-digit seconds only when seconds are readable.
7.11
